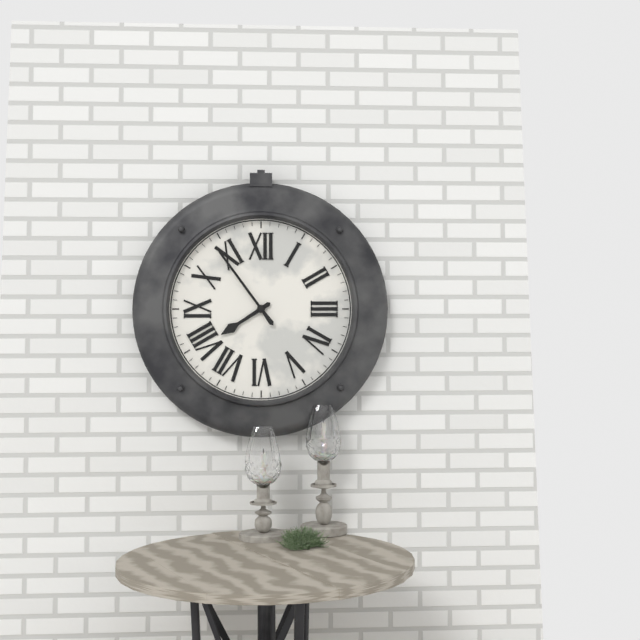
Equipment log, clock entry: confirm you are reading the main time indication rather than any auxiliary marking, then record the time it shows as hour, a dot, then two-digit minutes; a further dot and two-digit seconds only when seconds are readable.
7.54
